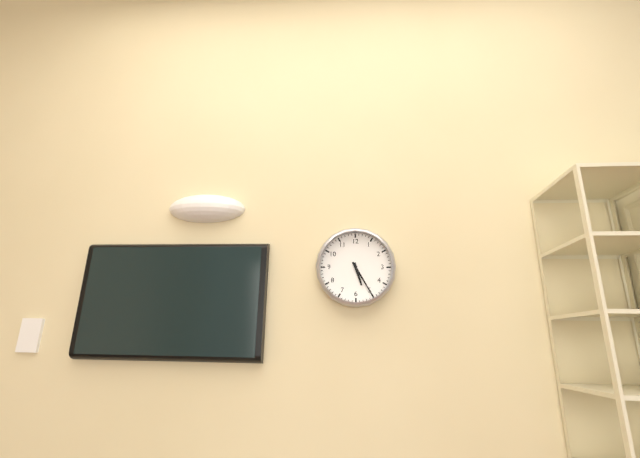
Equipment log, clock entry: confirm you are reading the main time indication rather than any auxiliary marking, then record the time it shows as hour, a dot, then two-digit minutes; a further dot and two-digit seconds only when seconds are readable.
5.25
